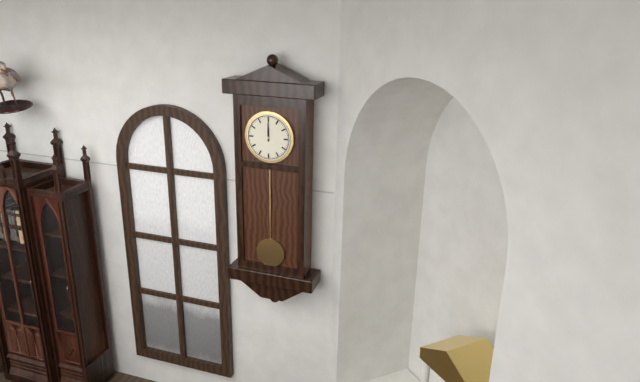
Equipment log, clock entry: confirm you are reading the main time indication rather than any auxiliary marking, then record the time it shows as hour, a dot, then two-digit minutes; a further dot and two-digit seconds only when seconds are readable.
12.00
